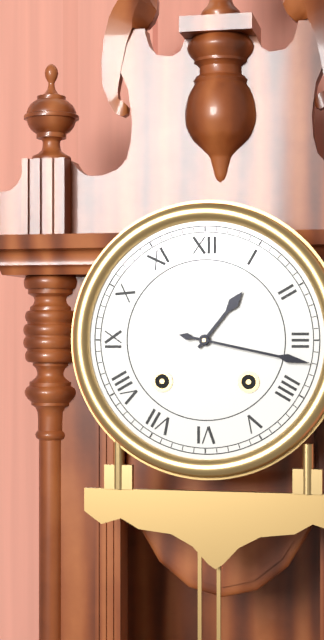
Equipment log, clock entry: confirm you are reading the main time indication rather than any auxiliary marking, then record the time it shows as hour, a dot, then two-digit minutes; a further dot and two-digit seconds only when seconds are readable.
1.17
